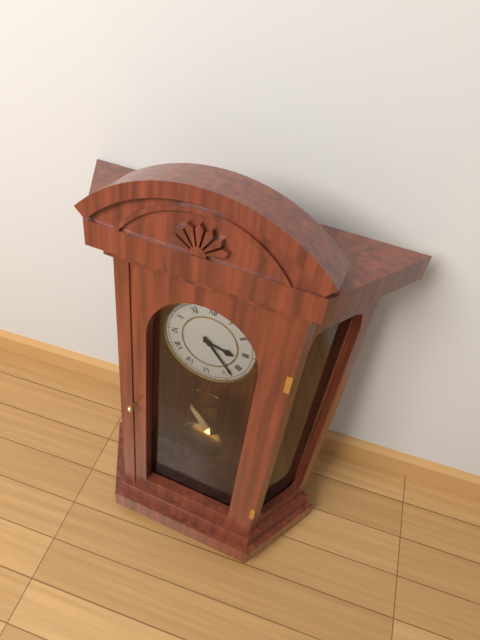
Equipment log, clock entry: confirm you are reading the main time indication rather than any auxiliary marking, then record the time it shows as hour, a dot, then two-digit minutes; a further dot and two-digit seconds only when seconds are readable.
3.23
